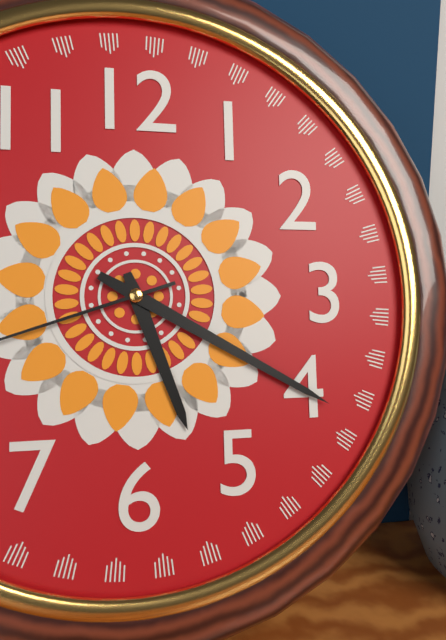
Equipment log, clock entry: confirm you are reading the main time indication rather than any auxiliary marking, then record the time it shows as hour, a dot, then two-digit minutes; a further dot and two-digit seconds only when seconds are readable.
5.20
